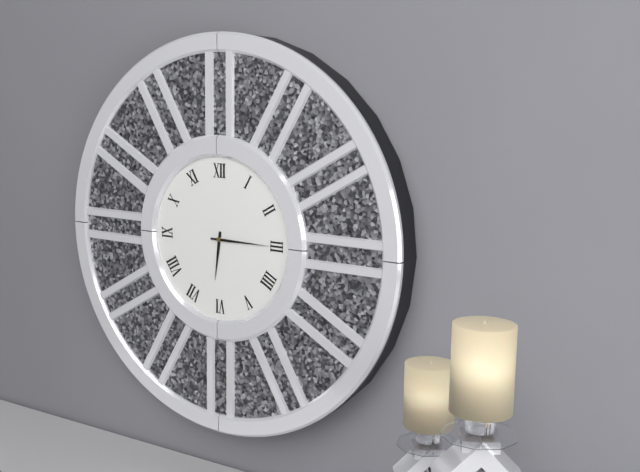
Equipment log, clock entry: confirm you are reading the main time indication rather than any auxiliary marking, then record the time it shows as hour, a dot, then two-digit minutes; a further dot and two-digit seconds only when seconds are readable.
6.15
